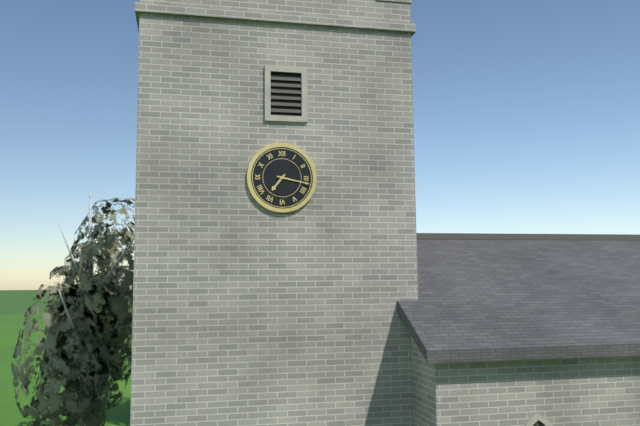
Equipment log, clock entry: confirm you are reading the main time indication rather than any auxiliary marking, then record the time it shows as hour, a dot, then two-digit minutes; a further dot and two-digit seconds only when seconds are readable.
7.17
